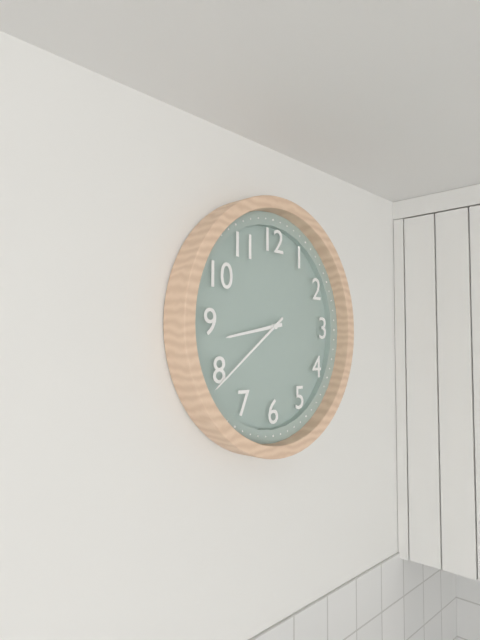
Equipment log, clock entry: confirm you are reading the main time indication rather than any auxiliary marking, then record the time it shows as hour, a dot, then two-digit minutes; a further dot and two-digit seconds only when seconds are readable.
8.39
